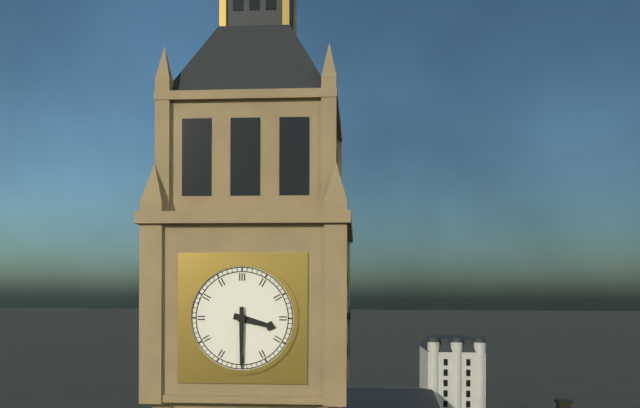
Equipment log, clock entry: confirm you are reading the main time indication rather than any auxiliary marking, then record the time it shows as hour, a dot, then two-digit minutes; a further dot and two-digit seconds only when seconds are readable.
3.30
